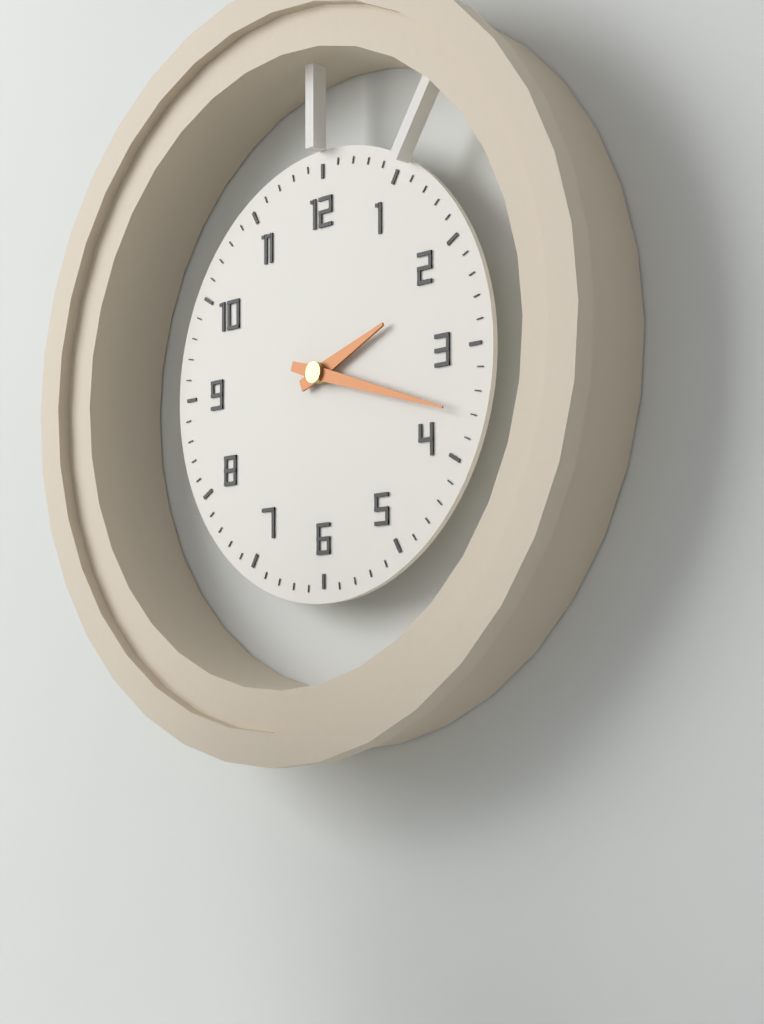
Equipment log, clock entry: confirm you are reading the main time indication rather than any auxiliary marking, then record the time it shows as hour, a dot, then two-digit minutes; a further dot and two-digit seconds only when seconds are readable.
2.18
